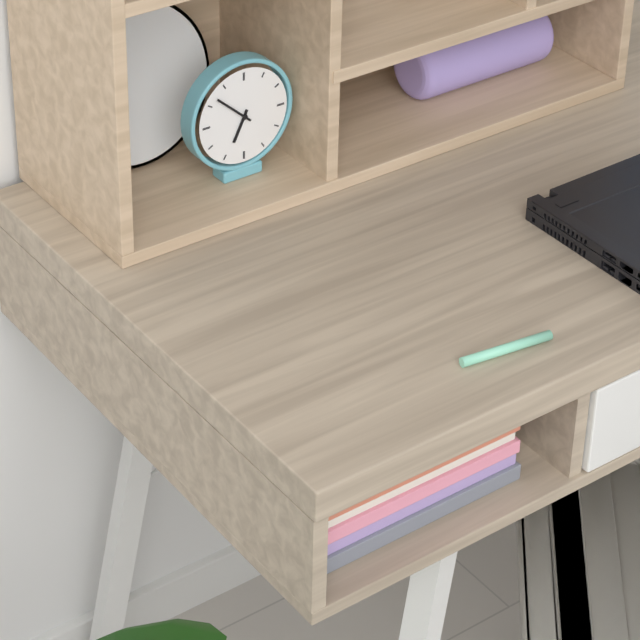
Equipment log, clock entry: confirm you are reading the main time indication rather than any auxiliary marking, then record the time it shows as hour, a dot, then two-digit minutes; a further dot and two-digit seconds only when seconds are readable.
6.52
